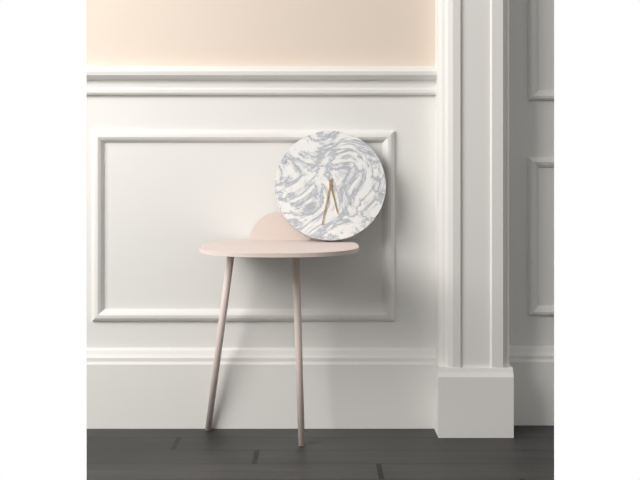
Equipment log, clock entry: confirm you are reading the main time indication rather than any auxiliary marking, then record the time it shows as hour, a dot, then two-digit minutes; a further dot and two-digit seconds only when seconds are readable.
5.32
